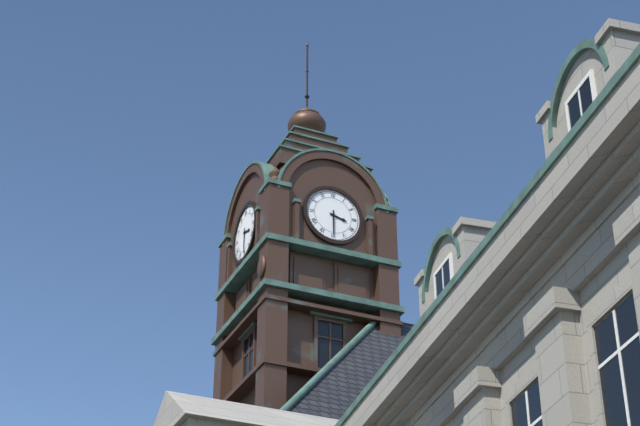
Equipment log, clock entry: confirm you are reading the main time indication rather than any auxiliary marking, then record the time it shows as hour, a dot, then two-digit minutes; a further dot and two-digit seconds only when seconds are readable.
3.30
